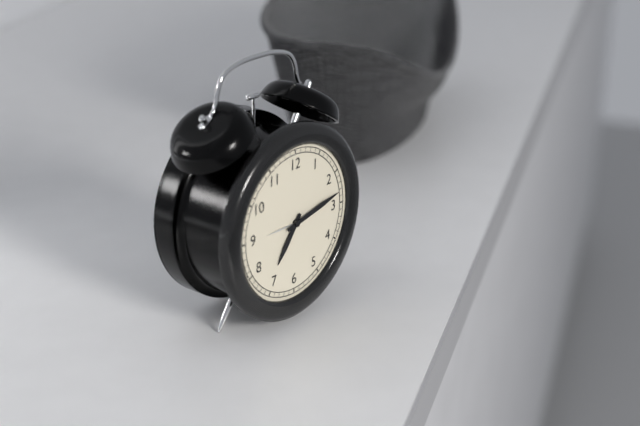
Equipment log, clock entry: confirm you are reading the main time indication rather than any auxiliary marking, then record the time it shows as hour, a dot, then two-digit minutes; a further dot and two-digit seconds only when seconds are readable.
7.13
